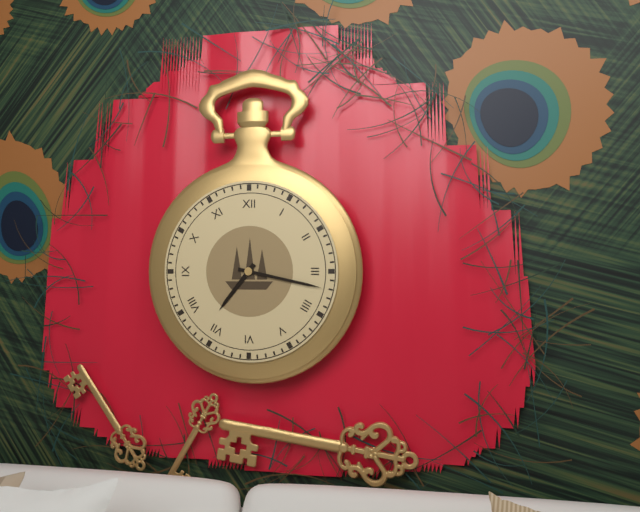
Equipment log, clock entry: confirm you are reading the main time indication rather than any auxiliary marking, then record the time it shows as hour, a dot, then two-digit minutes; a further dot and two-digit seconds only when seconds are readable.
7.17
